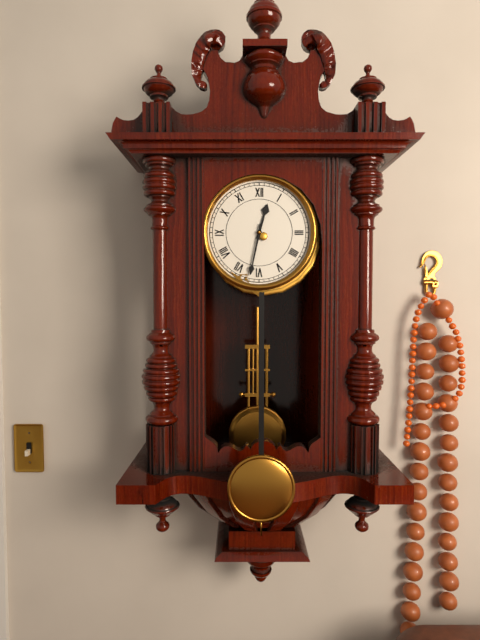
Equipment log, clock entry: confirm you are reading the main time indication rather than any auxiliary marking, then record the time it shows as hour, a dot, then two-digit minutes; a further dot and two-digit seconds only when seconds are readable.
12.32
